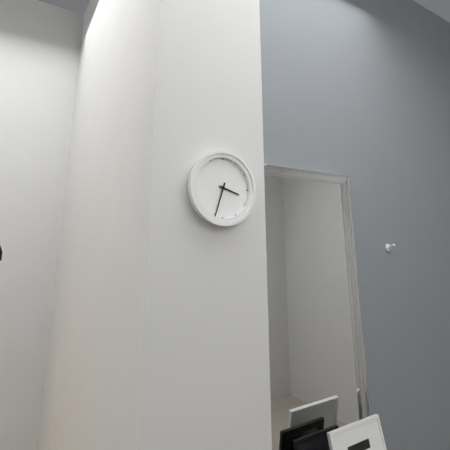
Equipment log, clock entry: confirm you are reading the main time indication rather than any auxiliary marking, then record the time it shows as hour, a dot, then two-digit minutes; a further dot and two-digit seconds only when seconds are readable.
3.33
